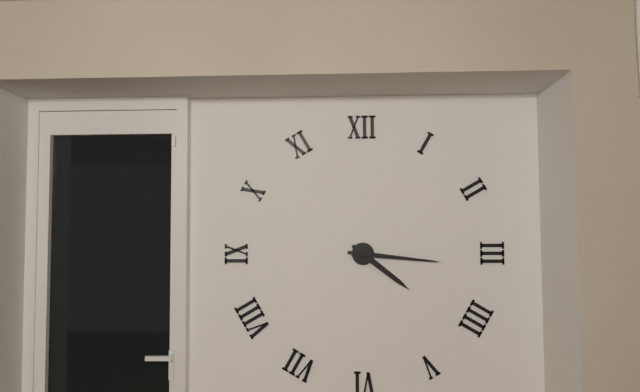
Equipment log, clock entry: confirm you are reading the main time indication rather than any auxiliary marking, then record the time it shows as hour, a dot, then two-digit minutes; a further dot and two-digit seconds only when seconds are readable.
4.16
